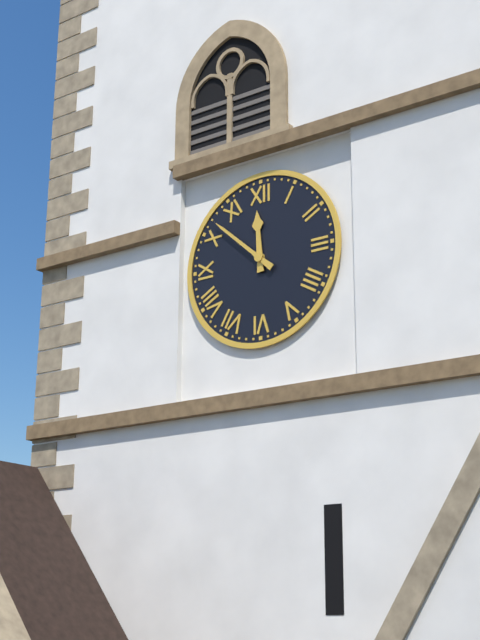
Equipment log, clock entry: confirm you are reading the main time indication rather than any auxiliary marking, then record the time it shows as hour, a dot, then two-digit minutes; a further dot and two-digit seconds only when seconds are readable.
11.52
